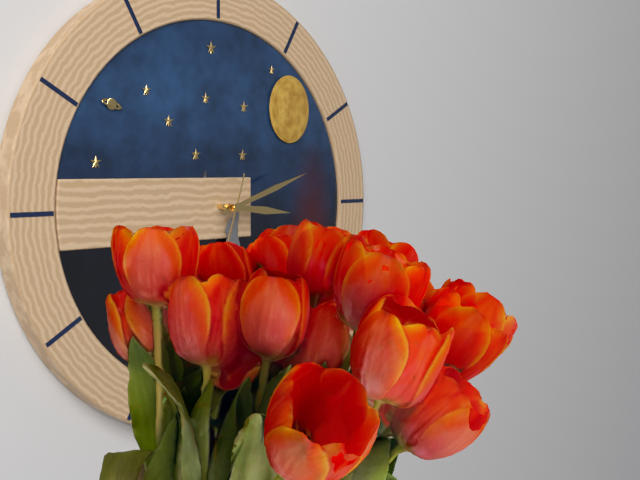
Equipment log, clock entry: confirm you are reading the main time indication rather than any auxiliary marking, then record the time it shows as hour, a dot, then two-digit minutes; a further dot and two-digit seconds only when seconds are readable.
3.12
